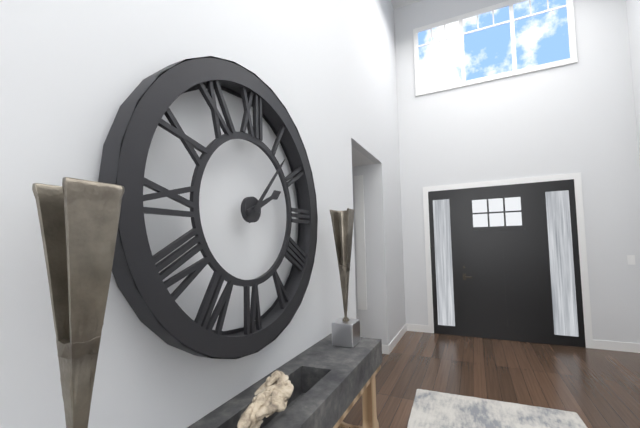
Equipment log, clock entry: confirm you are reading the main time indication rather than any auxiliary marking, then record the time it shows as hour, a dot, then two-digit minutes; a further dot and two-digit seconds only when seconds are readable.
2.07
